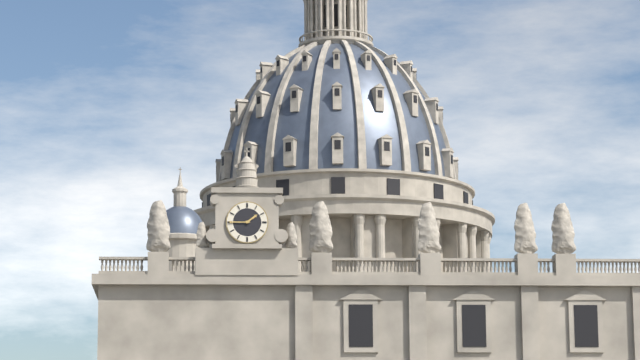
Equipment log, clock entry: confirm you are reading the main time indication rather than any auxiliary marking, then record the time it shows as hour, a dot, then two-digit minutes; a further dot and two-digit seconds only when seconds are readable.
1.45
